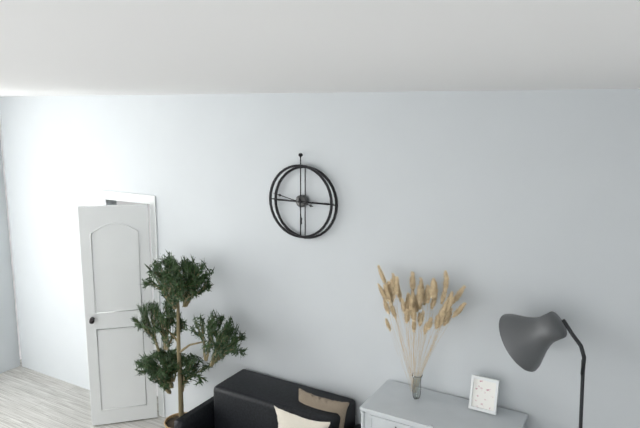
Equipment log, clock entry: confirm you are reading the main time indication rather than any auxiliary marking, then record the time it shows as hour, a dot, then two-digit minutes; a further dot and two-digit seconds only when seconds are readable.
5.47
